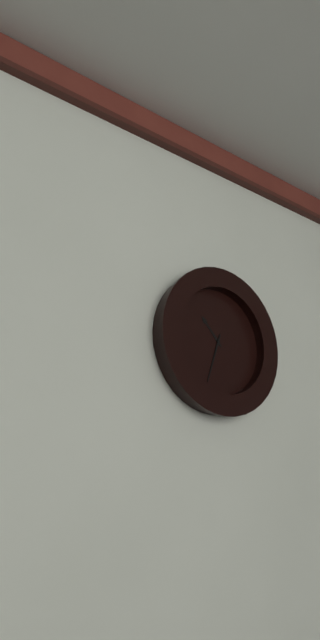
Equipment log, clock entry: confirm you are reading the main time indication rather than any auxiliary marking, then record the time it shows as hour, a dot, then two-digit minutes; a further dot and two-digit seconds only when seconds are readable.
10.33
